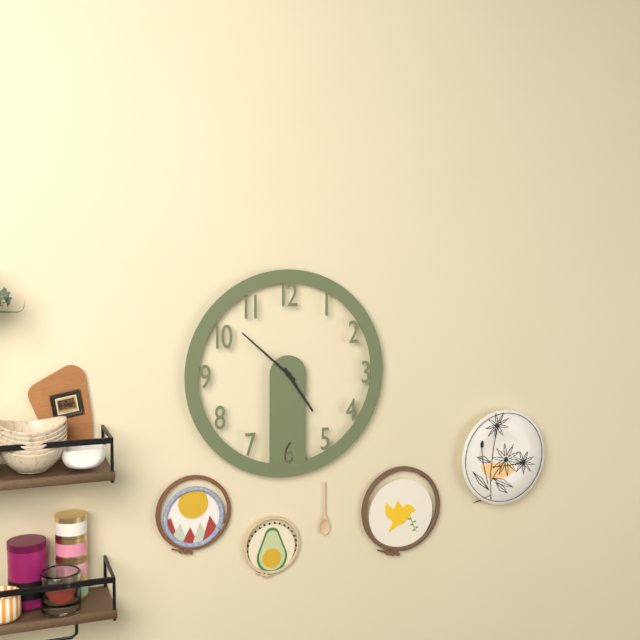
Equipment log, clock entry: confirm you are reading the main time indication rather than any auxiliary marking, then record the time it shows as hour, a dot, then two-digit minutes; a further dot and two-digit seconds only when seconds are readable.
4.52
